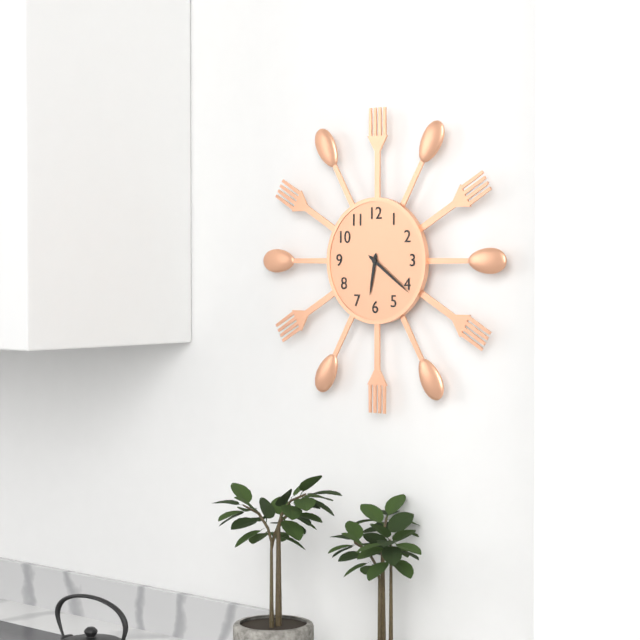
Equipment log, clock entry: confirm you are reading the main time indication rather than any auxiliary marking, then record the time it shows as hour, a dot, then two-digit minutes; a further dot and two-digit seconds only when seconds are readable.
6.21
